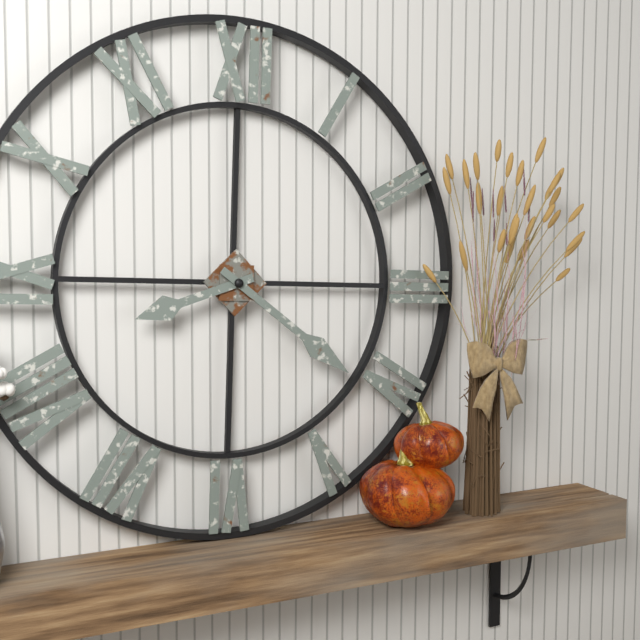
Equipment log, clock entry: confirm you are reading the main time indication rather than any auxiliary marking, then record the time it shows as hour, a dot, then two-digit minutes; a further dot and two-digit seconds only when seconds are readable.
8.21
